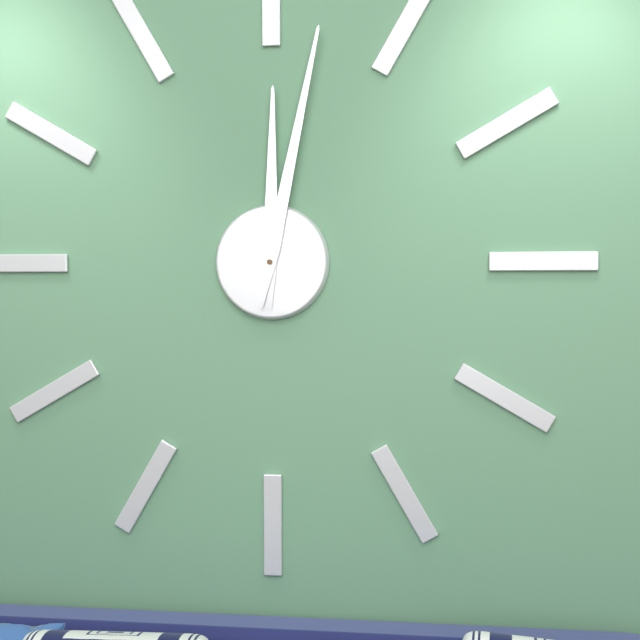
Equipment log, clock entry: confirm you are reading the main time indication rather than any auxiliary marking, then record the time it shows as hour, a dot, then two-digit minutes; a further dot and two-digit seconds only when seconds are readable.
12.02
